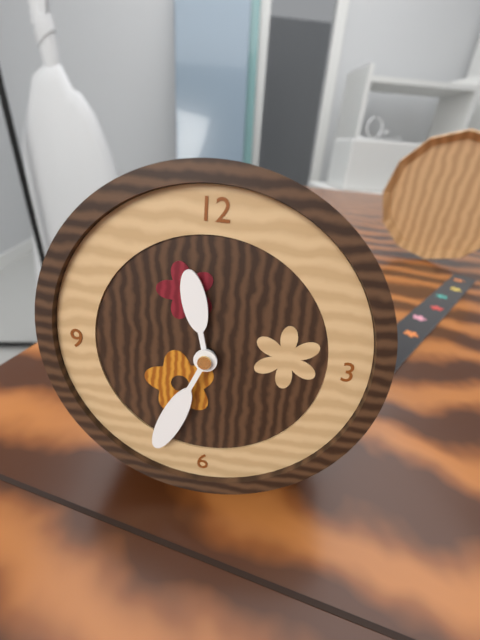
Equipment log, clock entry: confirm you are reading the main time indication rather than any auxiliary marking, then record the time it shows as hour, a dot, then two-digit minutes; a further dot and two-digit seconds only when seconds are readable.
11.34
